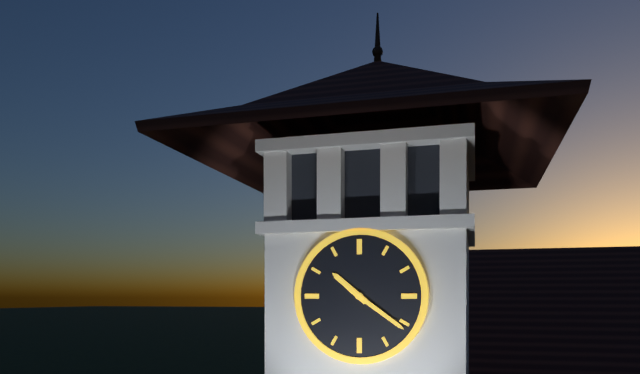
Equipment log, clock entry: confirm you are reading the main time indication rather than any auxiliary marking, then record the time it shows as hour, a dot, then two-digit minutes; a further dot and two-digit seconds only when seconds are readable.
10.21
